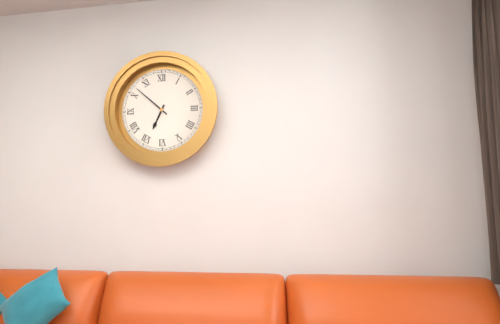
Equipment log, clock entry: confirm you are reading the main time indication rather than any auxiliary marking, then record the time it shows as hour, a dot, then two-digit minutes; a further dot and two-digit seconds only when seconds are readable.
6.52
